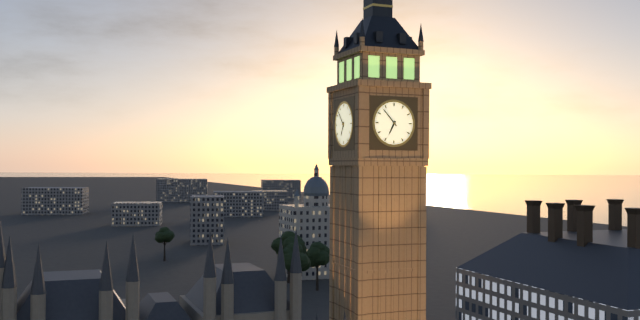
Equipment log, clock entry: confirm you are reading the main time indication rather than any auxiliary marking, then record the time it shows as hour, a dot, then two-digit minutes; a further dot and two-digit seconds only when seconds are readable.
6.53
